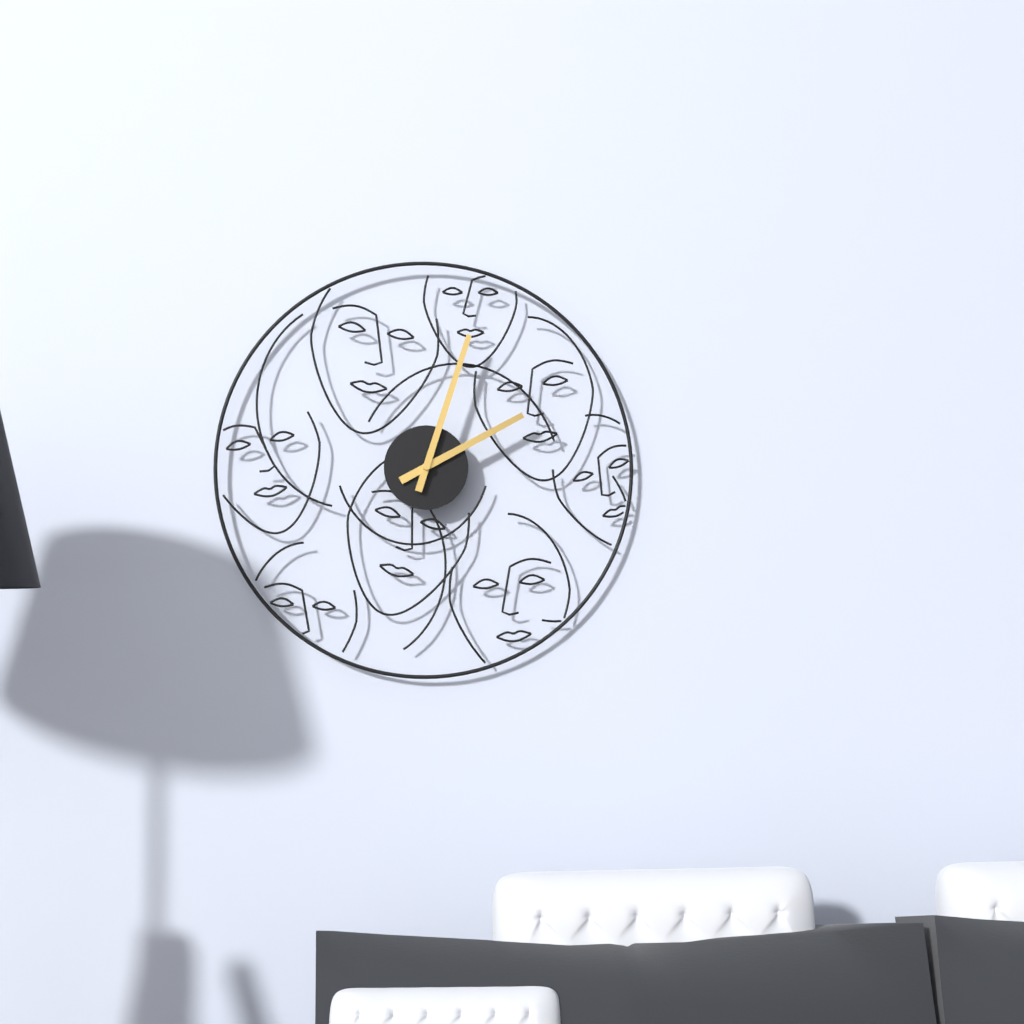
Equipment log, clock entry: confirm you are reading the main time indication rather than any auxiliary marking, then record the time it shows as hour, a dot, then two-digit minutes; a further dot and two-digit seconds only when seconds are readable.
2.03
